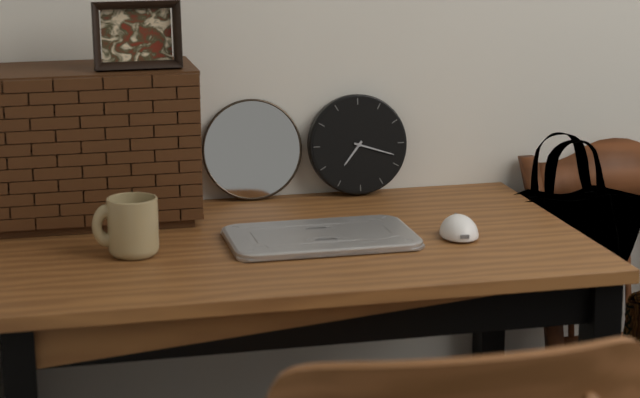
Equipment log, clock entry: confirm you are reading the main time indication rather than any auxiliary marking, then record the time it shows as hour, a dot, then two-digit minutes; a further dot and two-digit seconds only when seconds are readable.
7.18
